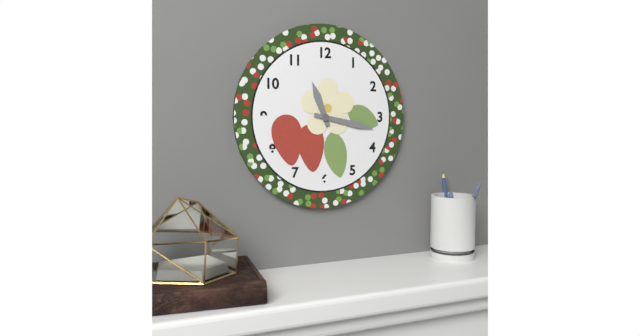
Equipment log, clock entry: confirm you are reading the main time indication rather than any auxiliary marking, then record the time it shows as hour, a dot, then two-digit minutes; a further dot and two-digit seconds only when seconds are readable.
11.17
